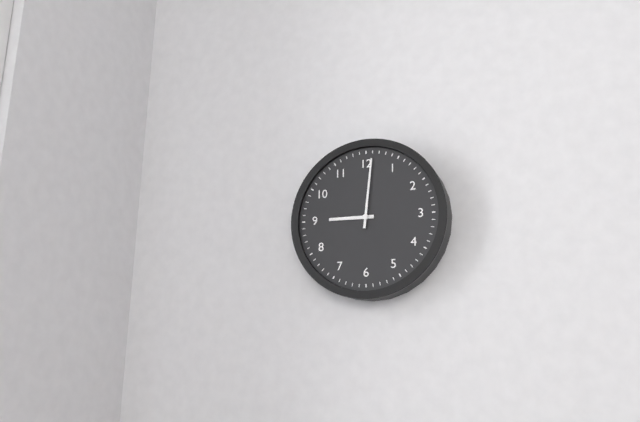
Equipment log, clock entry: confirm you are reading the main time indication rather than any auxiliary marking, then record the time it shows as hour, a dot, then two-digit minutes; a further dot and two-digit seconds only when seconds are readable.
9.01
